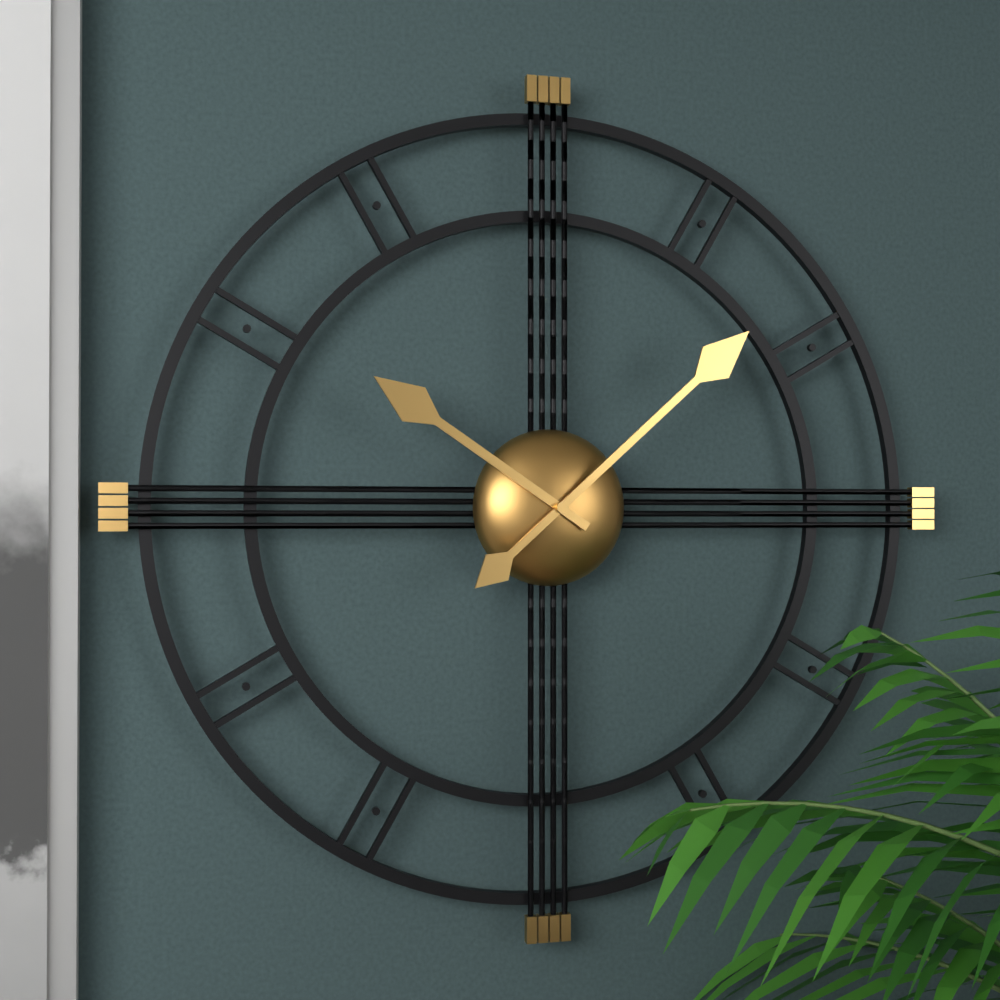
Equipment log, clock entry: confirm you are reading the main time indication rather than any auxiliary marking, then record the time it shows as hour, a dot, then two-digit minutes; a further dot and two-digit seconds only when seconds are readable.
10.08
